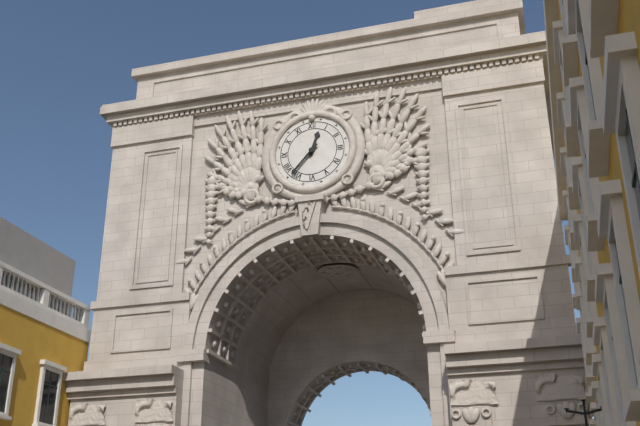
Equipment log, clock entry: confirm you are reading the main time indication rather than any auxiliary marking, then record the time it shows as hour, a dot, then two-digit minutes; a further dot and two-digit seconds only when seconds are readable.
12.37
